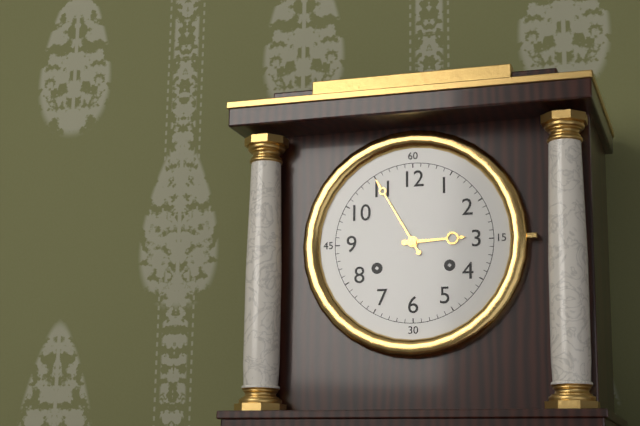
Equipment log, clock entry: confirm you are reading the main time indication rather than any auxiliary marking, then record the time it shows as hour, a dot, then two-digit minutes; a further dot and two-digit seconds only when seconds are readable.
2.55
